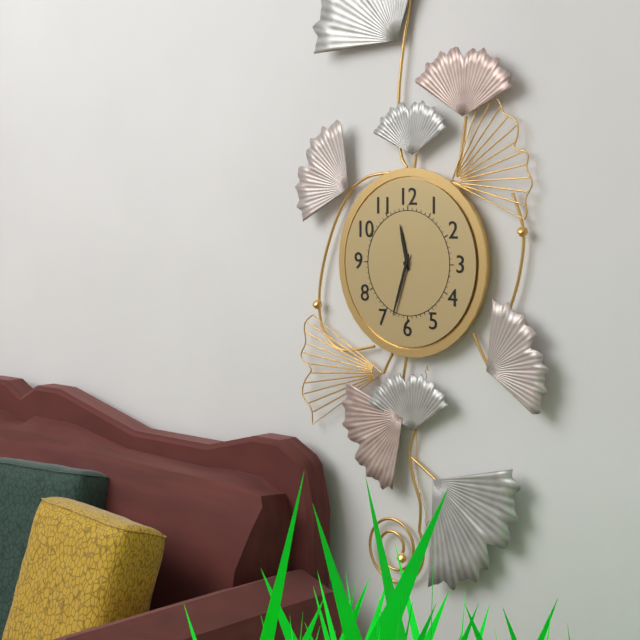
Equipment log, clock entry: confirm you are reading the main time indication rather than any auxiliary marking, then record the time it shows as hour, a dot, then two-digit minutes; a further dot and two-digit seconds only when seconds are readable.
11.33
